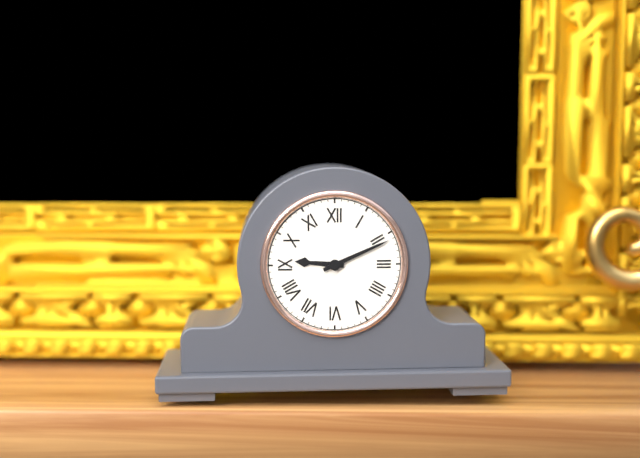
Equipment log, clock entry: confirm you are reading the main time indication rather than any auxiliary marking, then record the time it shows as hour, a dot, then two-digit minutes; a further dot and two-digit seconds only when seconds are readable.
9.11
